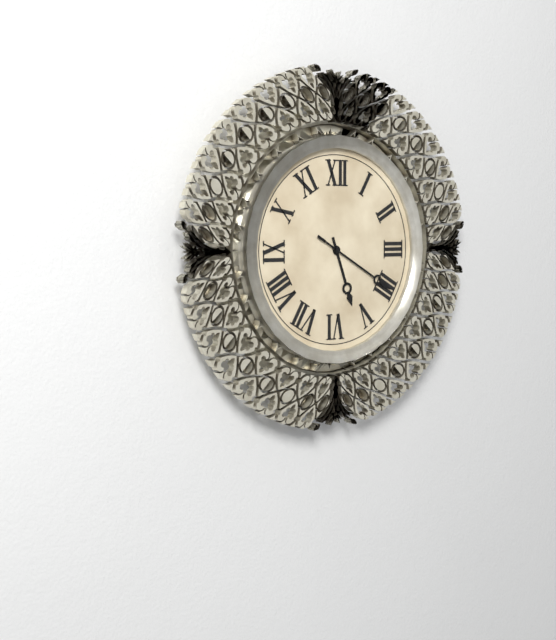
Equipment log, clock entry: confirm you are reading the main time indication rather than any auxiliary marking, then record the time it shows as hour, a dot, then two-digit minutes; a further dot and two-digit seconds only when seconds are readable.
5.20
